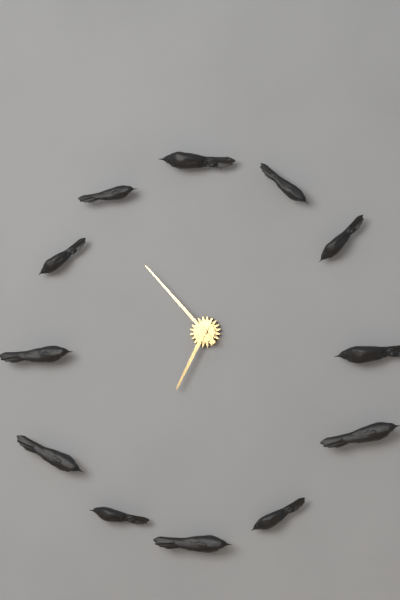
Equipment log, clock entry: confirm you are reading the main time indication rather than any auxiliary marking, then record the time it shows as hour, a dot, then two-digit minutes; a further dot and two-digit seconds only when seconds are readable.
6.53
